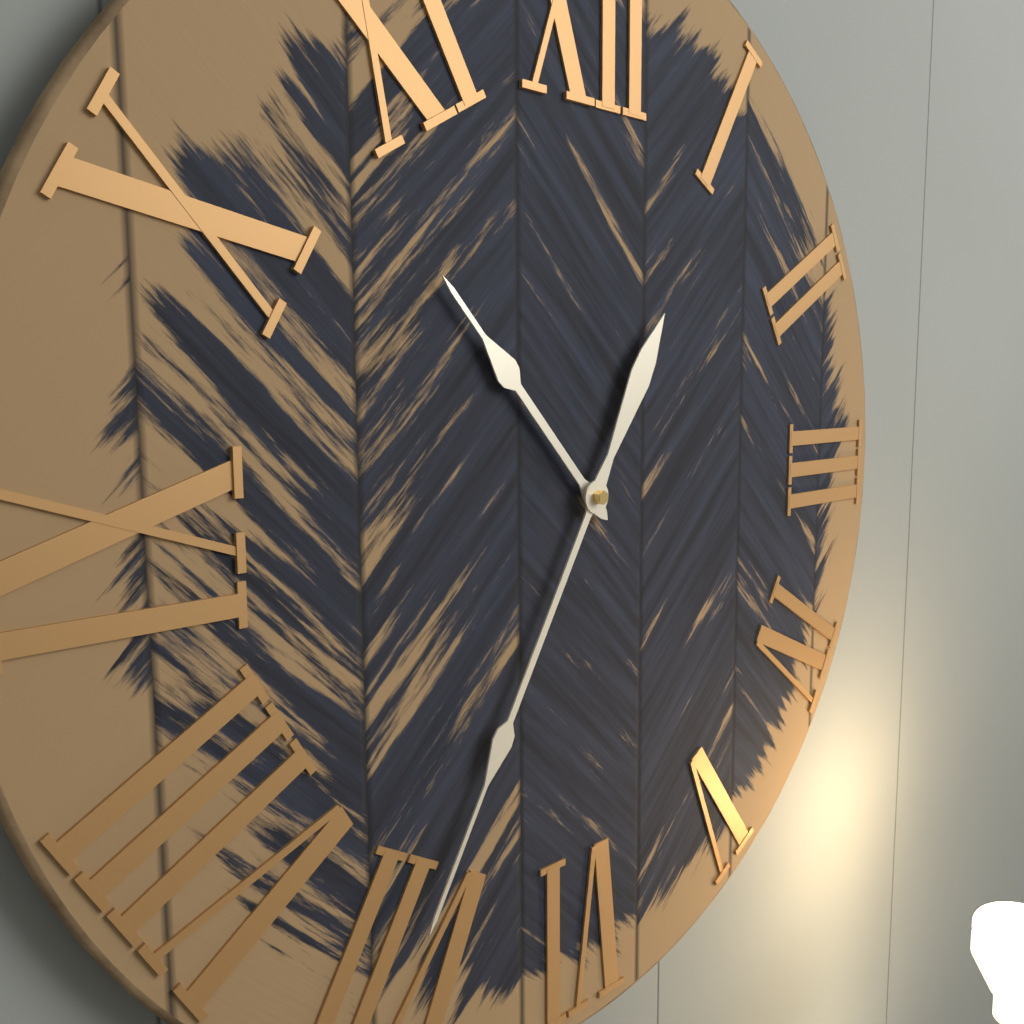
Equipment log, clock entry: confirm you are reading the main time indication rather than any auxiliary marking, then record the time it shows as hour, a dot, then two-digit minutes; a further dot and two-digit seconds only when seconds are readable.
10.35
